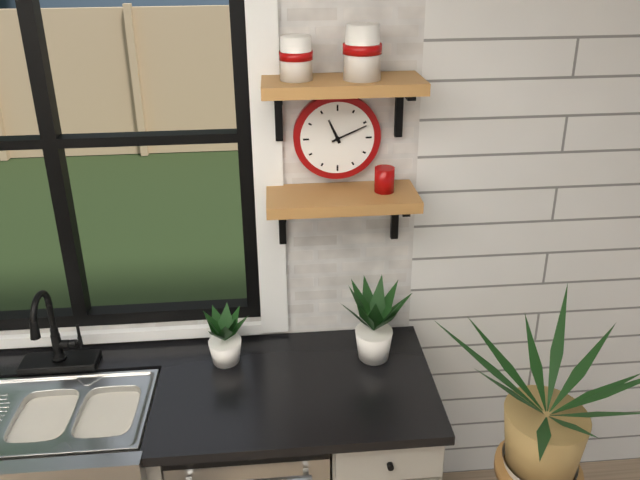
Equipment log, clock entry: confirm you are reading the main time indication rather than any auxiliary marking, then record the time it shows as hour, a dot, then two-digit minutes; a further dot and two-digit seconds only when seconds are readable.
11.11
